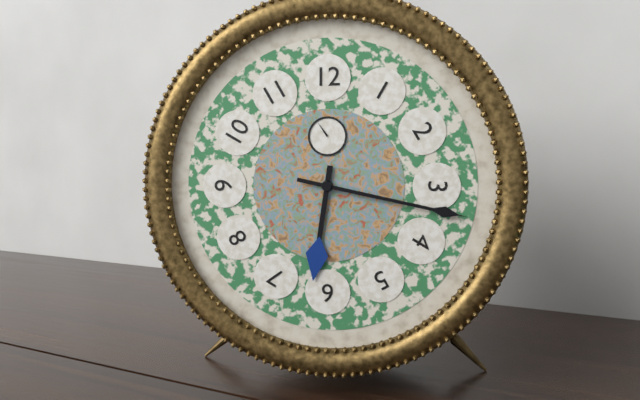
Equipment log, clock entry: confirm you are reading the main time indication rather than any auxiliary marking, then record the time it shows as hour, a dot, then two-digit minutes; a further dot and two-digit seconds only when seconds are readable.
6.17
